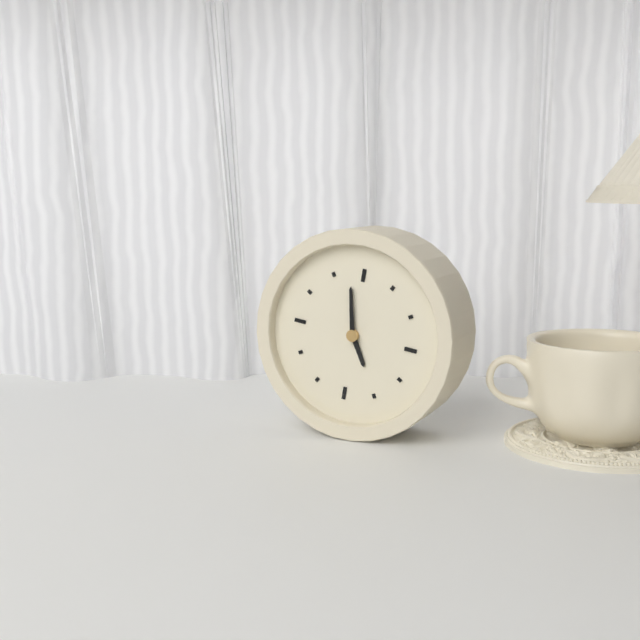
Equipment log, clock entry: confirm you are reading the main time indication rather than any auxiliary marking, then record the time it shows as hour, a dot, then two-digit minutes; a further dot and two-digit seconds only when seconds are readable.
4.58
